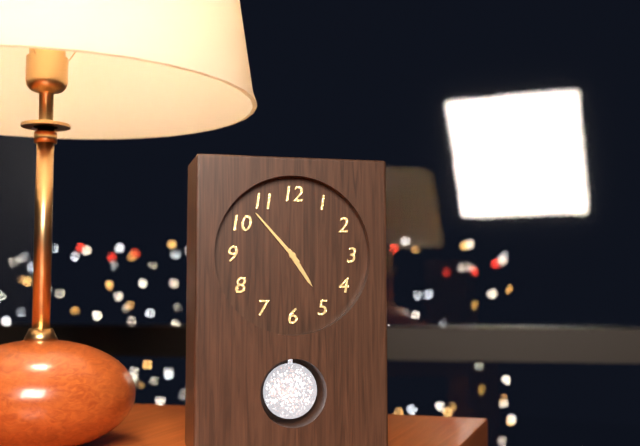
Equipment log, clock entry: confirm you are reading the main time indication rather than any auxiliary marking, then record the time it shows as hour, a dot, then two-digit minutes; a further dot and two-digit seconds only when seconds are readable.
4.53
